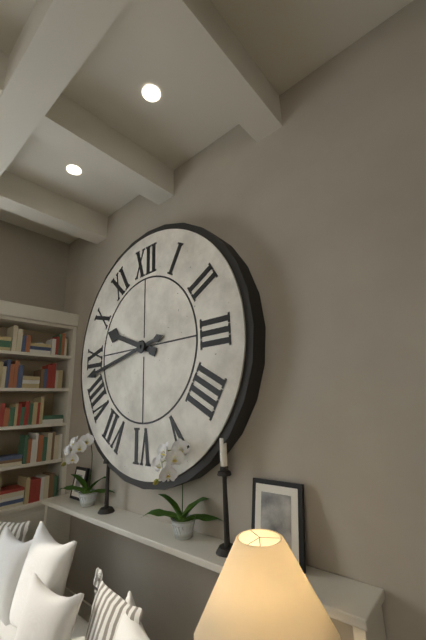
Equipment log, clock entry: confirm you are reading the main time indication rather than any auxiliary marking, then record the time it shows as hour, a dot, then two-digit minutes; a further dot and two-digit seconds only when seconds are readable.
9.43
